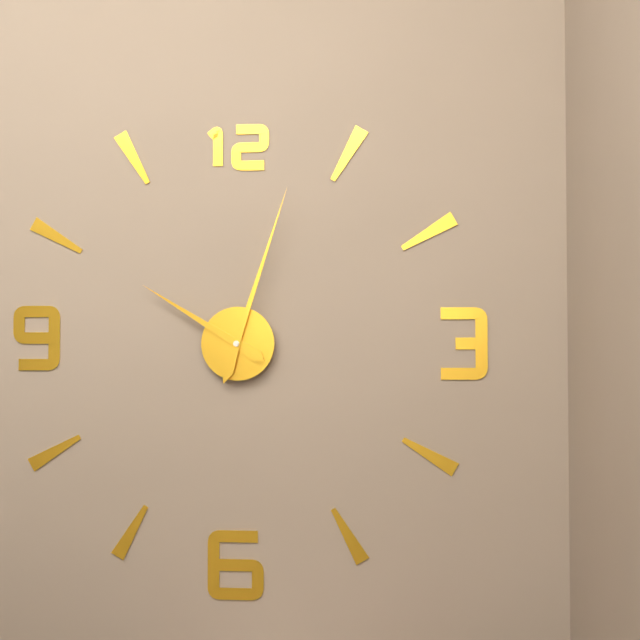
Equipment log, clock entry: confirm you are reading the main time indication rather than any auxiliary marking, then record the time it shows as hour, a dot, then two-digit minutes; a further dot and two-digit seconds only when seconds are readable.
10.03
